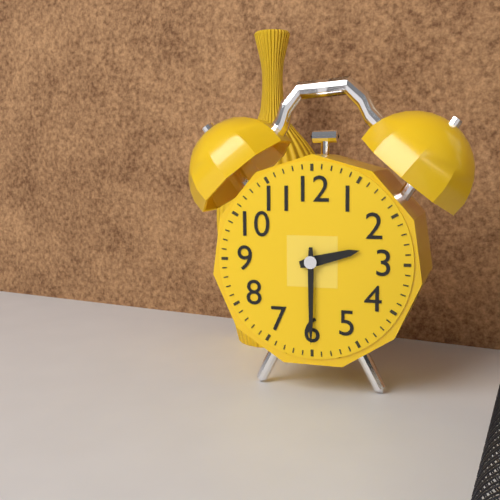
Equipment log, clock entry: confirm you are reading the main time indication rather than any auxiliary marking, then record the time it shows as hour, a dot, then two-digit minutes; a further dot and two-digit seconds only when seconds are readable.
2.30
